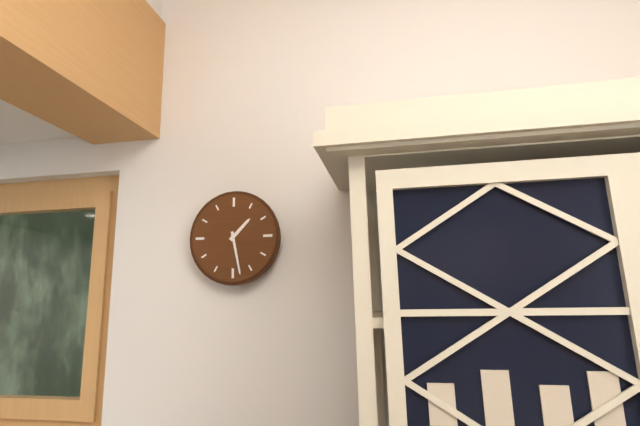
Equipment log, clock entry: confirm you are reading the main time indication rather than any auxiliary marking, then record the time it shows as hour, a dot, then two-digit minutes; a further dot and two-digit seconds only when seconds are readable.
1.28
